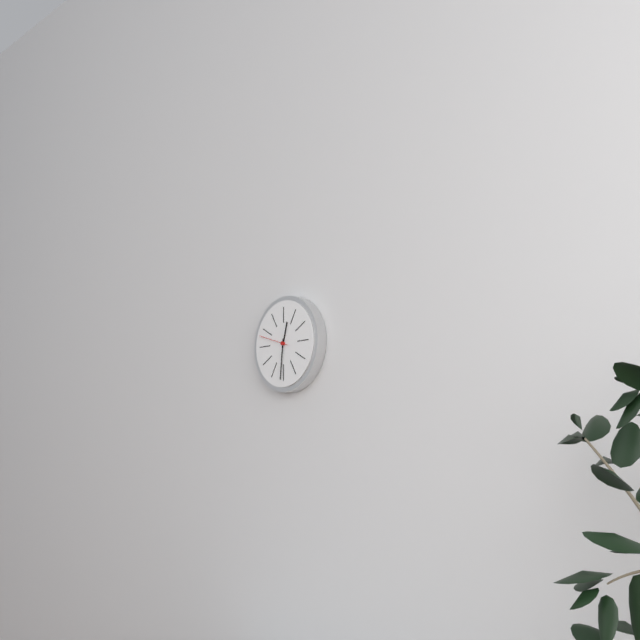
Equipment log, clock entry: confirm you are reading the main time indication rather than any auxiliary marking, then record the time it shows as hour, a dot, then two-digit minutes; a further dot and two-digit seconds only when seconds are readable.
12.31
